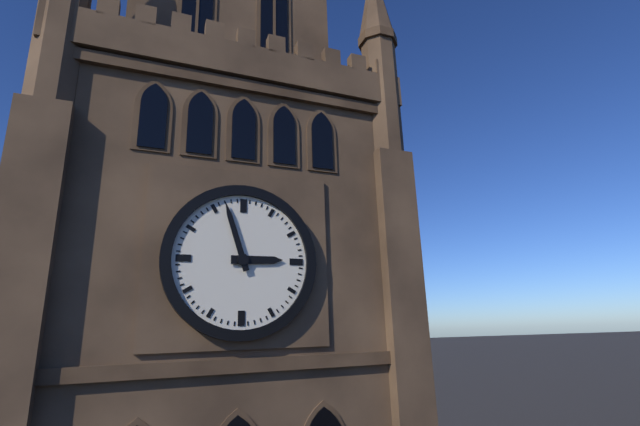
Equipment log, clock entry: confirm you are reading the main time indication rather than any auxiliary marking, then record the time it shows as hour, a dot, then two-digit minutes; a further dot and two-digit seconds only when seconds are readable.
2.57
